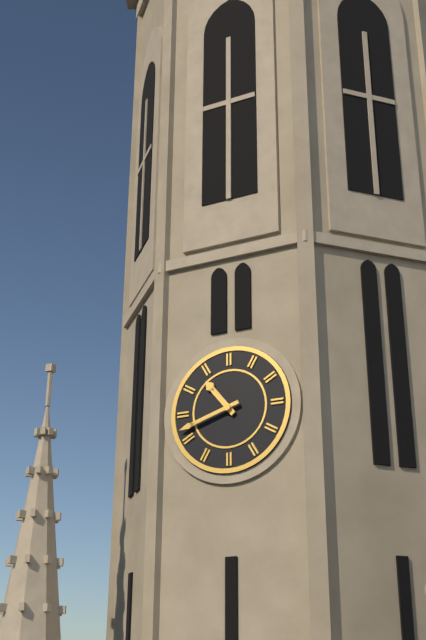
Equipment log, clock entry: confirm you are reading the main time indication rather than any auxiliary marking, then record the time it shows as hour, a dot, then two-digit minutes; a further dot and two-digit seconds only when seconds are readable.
10.42
